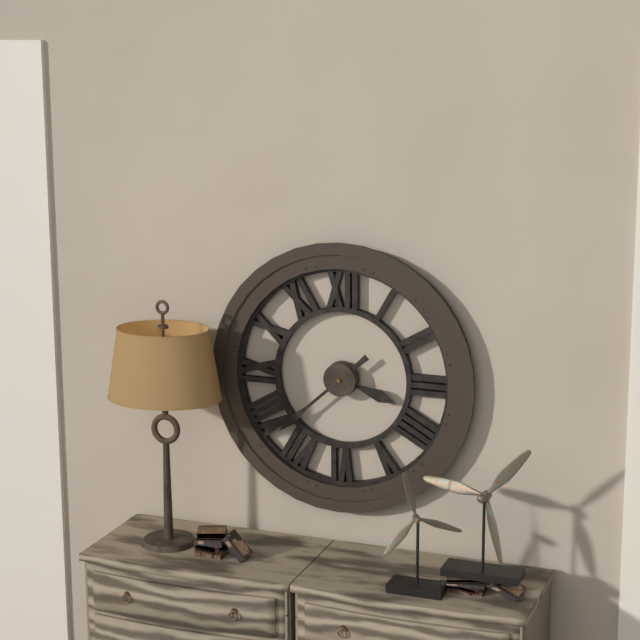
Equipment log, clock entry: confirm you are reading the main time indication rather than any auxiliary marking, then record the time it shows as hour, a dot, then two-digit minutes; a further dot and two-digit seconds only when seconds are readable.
3.38
